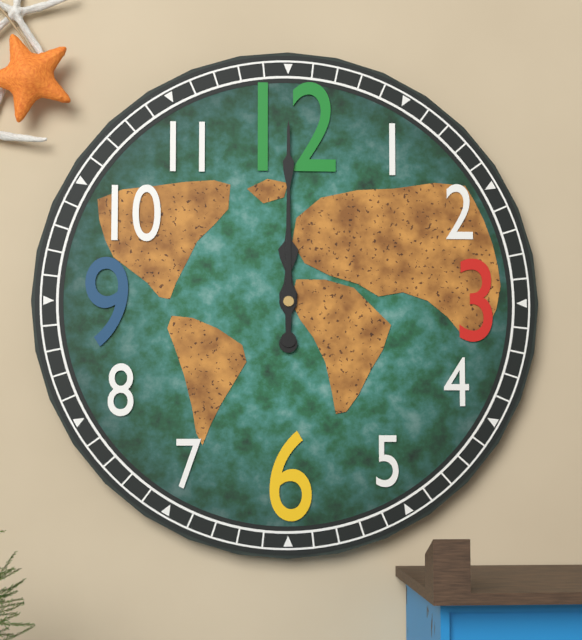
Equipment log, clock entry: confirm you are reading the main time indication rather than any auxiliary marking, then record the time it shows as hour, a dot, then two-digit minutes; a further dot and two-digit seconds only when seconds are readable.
12.00
